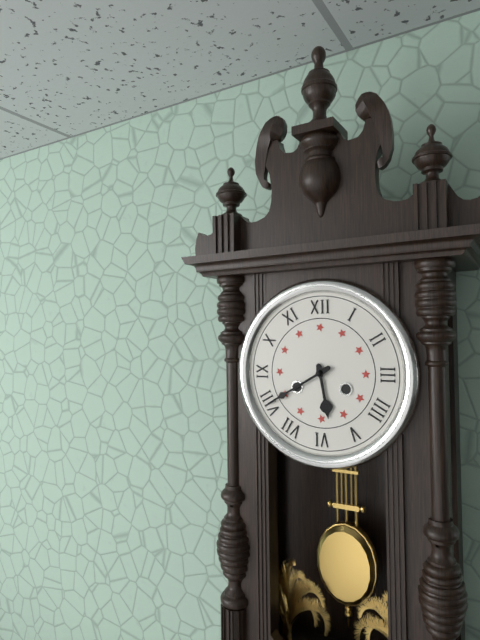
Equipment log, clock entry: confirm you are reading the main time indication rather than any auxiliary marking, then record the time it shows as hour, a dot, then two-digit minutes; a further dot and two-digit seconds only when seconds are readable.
5.40
